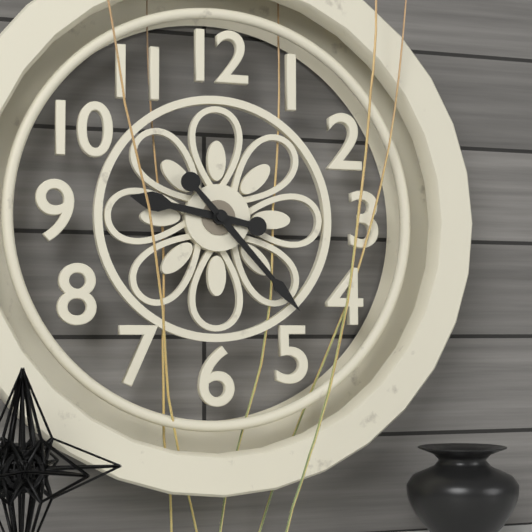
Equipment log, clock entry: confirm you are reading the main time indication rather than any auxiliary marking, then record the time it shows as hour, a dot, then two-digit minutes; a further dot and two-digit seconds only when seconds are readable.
9.23
